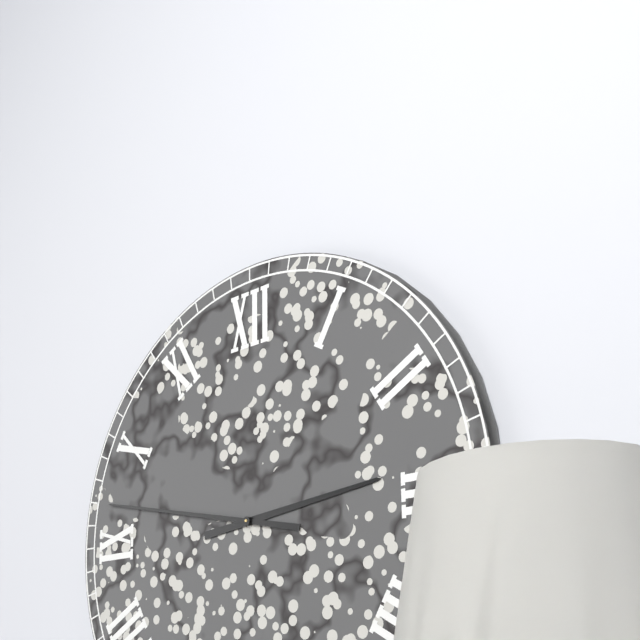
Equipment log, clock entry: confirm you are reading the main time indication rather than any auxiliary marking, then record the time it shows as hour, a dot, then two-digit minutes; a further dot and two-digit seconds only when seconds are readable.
2.47
